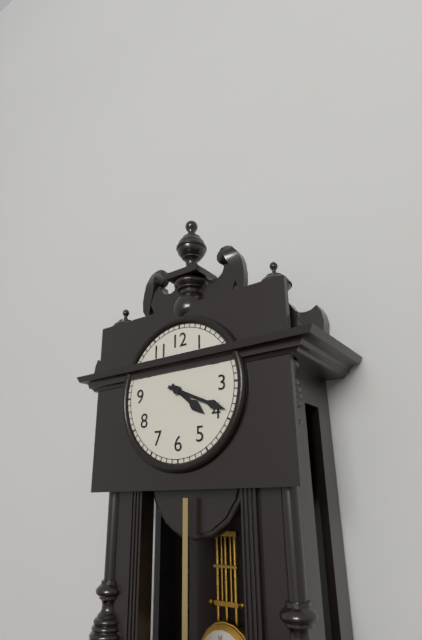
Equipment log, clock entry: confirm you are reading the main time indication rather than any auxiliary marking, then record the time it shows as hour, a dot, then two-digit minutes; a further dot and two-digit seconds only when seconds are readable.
4.19
